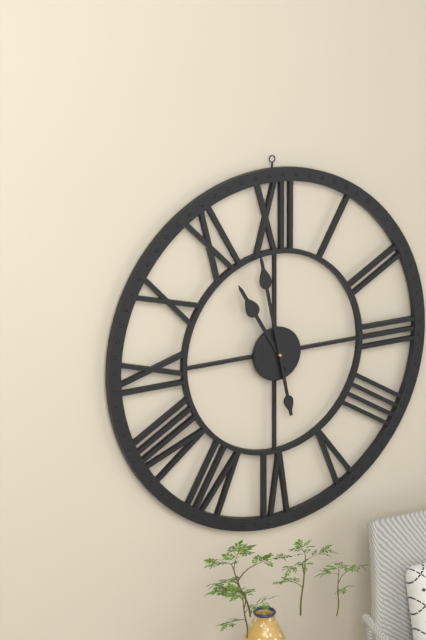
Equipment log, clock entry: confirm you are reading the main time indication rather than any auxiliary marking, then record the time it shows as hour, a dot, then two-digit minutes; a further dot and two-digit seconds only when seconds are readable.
10.58
